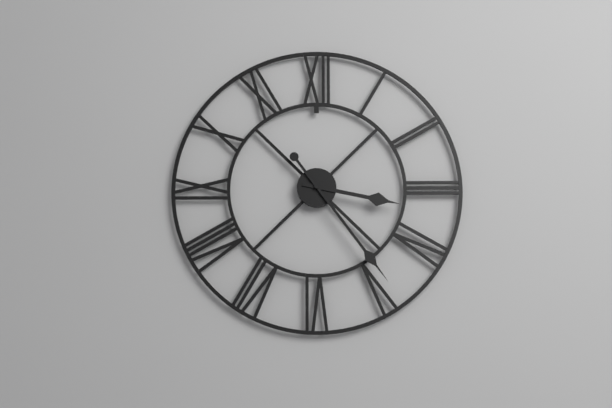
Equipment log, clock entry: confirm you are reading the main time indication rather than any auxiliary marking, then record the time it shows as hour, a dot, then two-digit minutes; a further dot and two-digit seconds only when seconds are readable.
3.24
